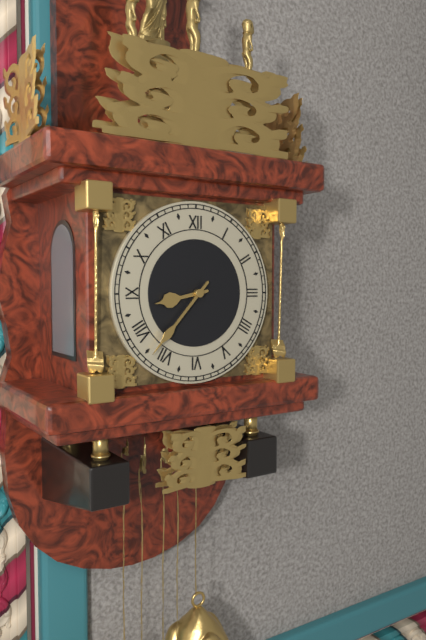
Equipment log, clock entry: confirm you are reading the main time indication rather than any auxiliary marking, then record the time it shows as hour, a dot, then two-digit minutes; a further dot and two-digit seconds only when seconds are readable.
8.37
